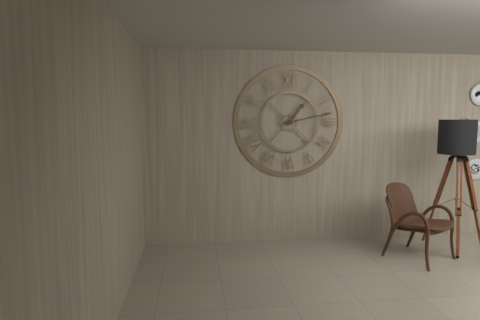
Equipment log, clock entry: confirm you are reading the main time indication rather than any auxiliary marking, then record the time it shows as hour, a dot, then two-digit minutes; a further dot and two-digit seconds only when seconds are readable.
1.13
